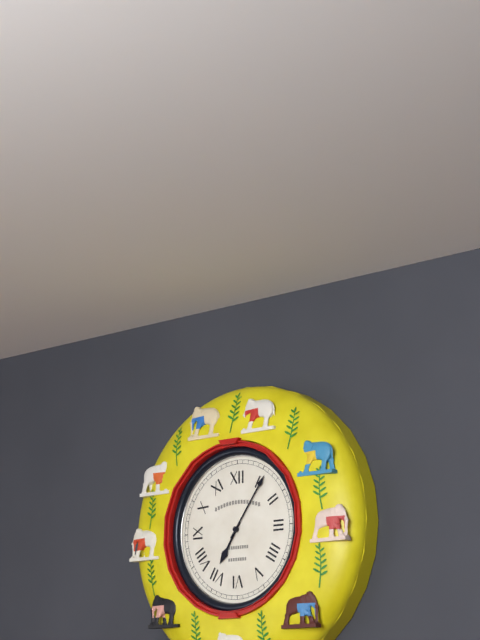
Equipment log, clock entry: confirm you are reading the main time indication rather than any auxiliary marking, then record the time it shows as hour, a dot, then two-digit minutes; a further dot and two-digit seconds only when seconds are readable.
7.06
